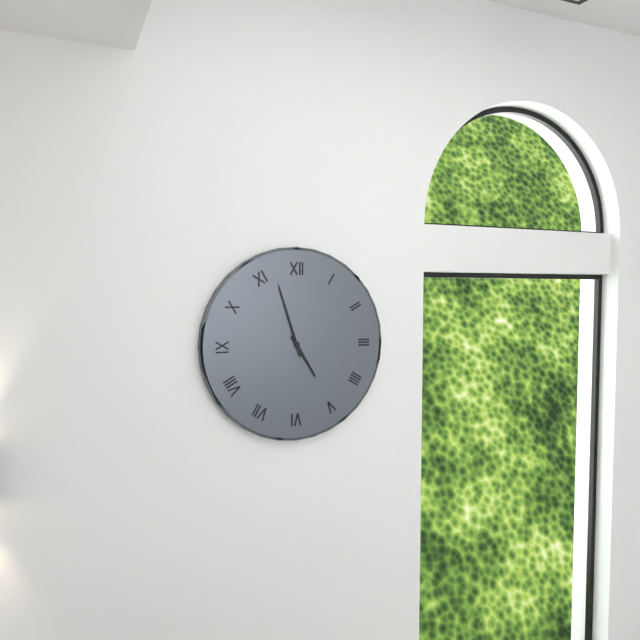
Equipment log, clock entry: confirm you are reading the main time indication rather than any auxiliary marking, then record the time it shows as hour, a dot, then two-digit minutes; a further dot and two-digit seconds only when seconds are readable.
4.57
